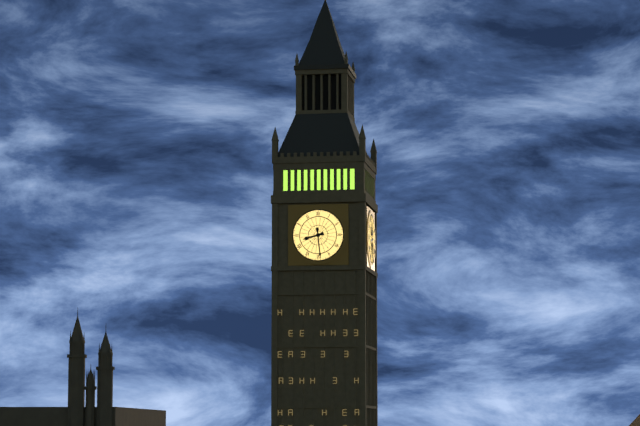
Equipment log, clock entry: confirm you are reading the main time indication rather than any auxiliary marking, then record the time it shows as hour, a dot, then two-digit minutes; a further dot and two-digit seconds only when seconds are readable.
8.29
